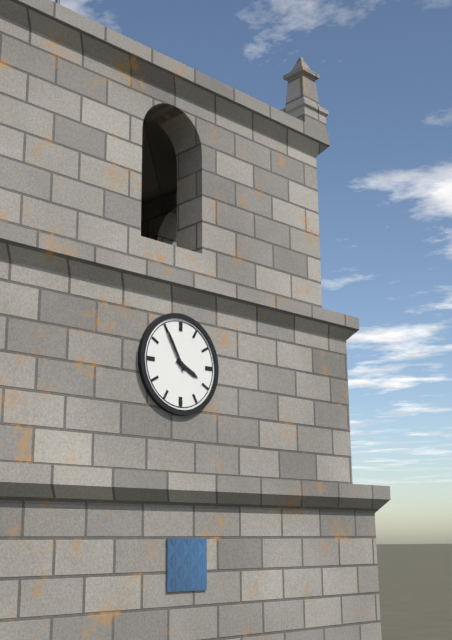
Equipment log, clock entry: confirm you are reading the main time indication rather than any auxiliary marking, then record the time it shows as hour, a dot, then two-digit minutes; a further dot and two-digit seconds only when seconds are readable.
3.55
